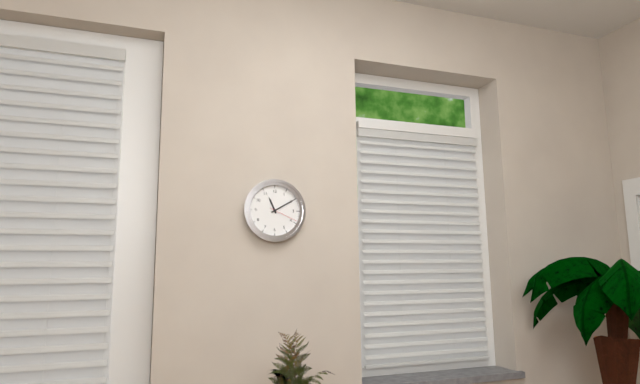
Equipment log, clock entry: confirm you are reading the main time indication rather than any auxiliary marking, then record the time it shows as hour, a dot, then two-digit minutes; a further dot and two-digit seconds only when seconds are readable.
11.10
